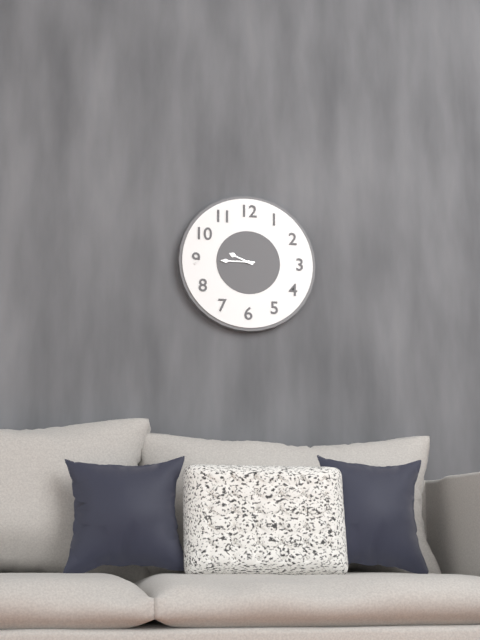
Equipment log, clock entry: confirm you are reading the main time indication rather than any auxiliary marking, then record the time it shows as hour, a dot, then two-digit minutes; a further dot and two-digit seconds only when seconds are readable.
9.45
